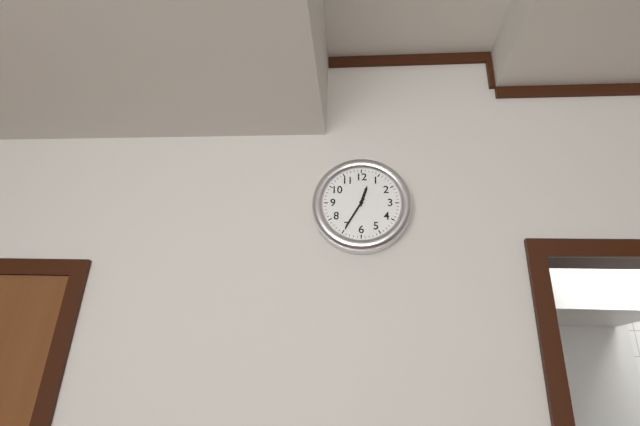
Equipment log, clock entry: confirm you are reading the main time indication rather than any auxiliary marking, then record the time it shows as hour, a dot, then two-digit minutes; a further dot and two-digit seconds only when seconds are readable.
12.35
